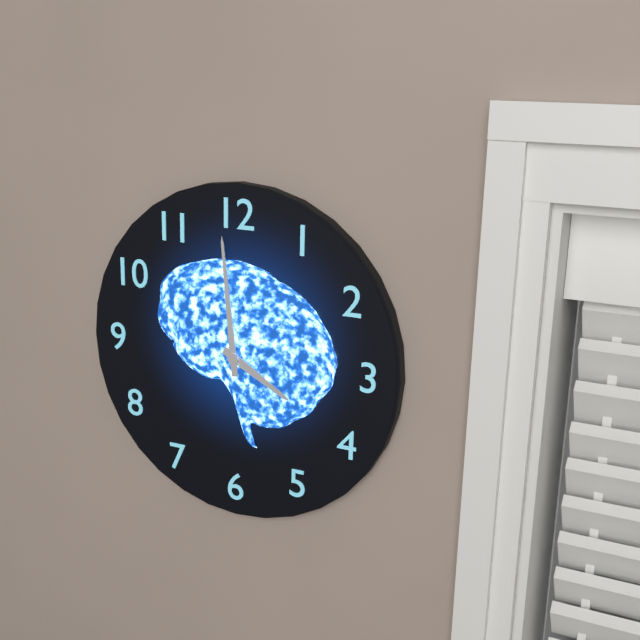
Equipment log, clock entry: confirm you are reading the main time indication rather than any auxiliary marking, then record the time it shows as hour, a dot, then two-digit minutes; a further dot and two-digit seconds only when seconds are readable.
3.59
